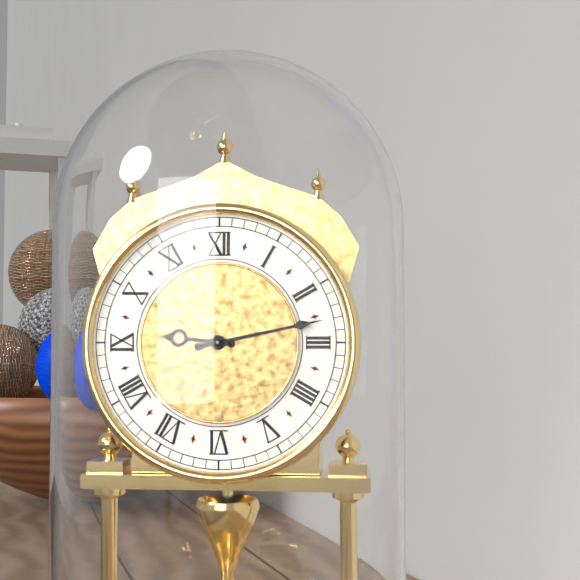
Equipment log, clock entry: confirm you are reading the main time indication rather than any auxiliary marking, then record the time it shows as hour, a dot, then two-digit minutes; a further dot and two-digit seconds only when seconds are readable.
9.13
